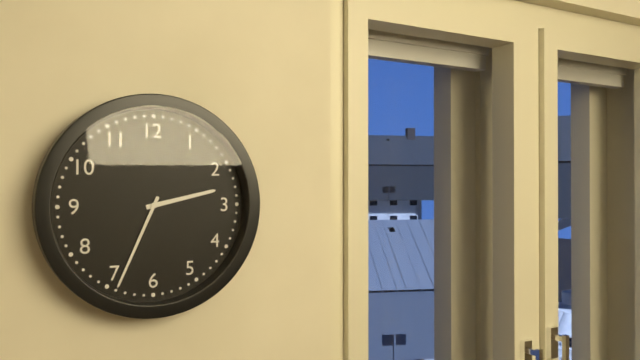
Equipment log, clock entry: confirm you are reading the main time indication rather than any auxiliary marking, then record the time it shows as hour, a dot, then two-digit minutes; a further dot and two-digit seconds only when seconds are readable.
2.34
